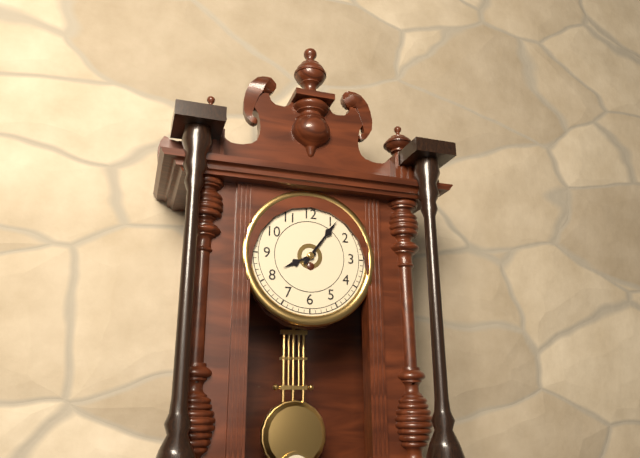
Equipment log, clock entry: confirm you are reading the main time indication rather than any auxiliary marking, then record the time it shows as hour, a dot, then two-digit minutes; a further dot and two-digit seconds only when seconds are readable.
8.06
